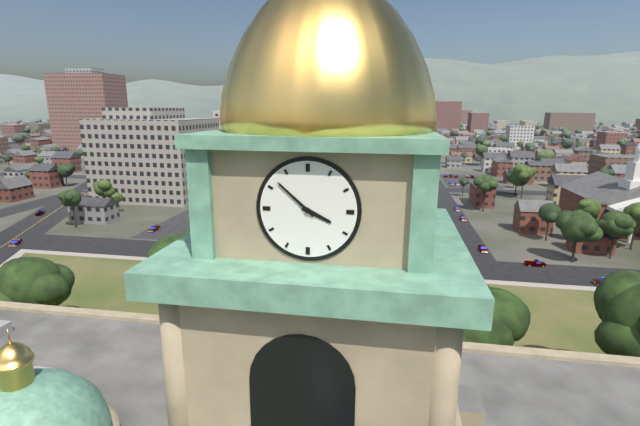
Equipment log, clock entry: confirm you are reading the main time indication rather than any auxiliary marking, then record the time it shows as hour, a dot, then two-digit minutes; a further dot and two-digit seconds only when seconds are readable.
3.52
